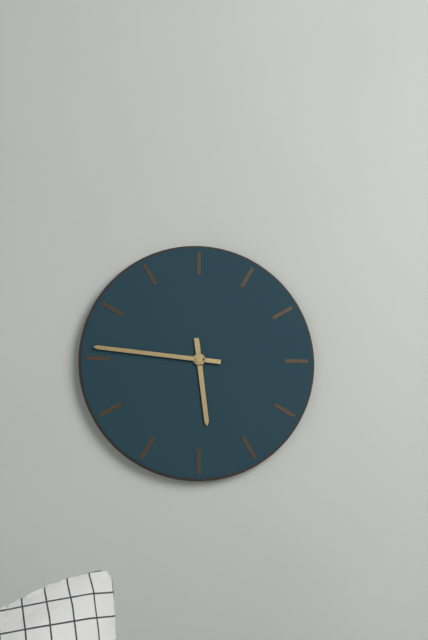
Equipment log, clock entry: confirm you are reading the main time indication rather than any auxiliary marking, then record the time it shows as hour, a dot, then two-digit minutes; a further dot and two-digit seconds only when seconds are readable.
5.46
